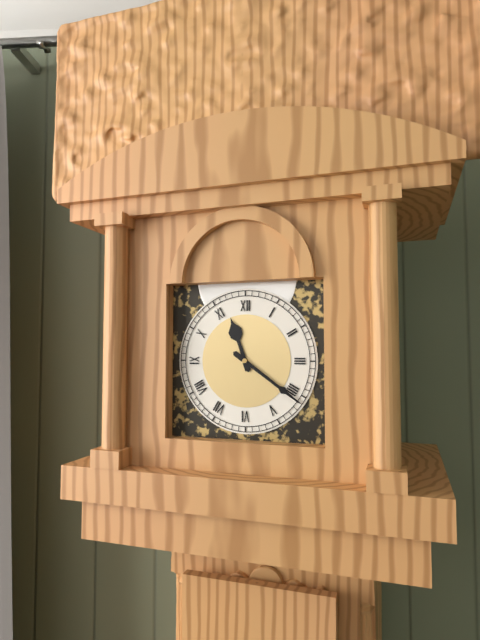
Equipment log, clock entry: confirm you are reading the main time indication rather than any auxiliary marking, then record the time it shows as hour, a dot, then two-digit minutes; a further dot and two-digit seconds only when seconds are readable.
11.21
